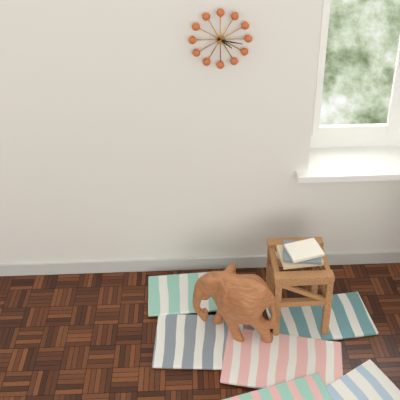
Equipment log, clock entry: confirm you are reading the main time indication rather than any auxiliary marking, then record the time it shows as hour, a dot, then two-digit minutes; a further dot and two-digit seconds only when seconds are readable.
4.17
